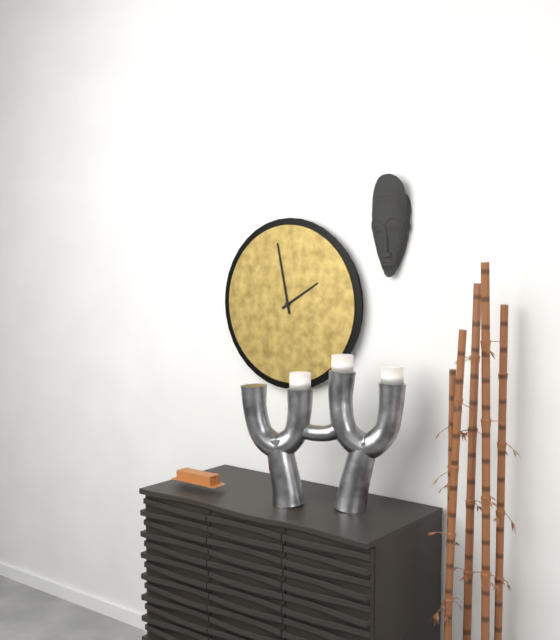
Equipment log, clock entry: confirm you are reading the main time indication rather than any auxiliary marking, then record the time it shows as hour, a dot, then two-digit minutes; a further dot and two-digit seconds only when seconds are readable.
1.58
